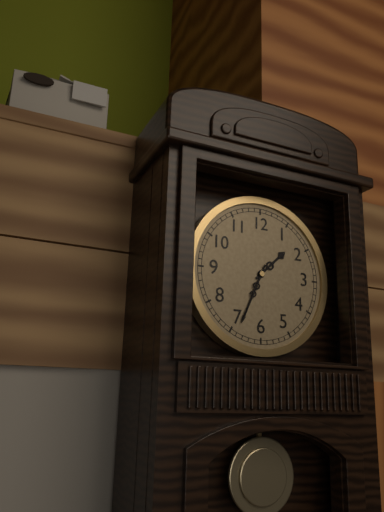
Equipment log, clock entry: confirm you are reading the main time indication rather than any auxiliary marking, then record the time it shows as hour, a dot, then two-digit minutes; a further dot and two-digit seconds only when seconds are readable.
1.34
